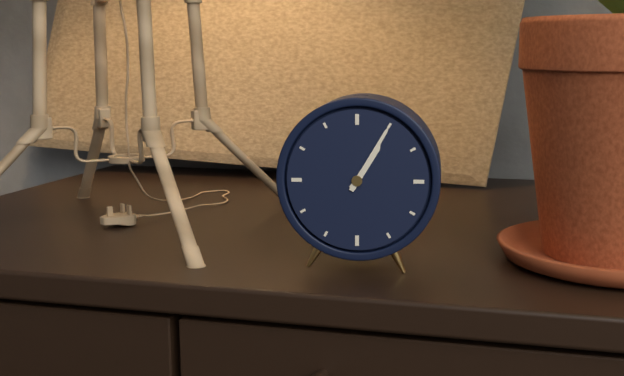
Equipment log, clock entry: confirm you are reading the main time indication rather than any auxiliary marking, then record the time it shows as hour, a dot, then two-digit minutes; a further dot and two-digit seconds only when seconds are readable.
1.05
